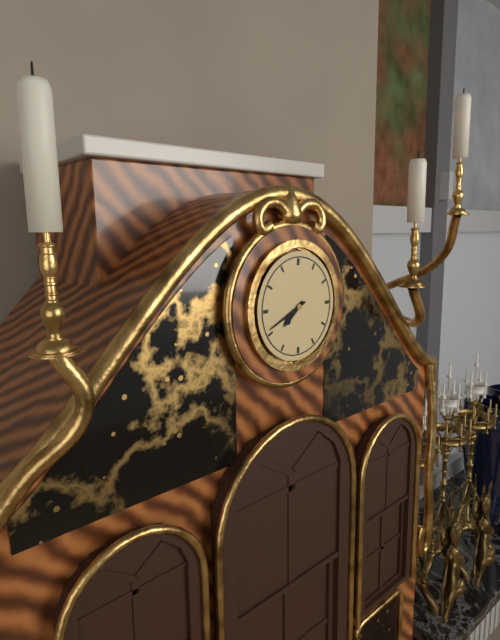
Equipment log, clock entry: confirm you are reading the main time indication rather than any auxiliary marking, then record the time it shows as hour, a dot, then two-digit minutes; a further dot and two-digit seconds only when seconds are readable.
7.41
